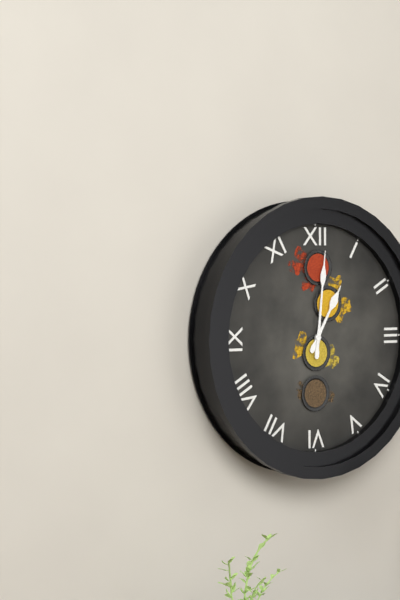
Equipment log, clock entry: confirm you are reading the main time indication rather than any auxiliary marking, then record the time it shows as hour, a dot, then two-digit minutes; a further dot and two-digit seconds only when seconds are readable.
1.01
